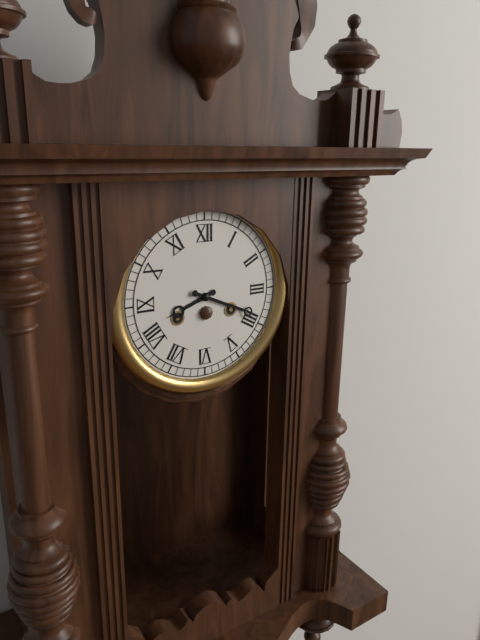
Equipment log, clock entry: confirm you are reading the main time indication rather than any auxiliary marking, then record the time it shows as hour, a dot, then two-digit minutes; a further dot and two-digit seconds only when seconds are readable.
8.19
